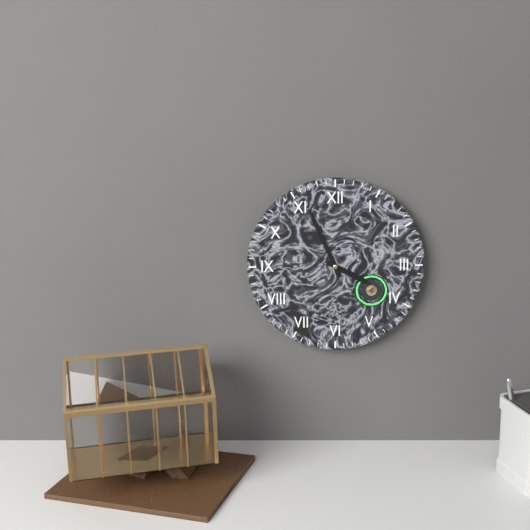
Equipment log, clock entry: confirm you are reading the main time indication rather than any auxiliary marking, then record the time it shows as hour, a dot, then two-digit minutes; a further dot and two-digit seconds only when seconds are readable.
3.56
